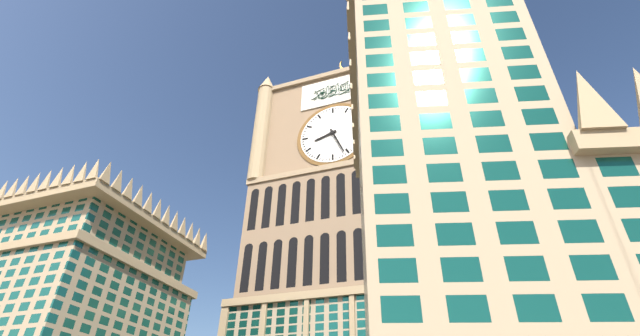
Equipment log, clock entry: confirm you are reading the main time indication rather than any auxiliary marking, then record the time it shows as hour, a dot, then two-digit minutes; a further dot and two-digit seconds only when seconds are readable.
8.26
